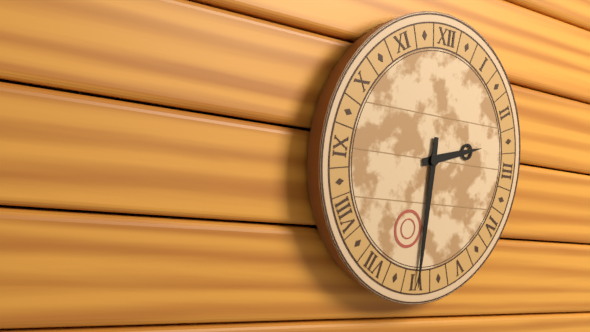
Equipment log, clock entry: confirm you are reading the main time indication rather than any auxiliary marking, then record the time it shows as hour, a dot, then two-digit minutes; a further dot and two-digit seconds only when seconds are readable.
2.30
